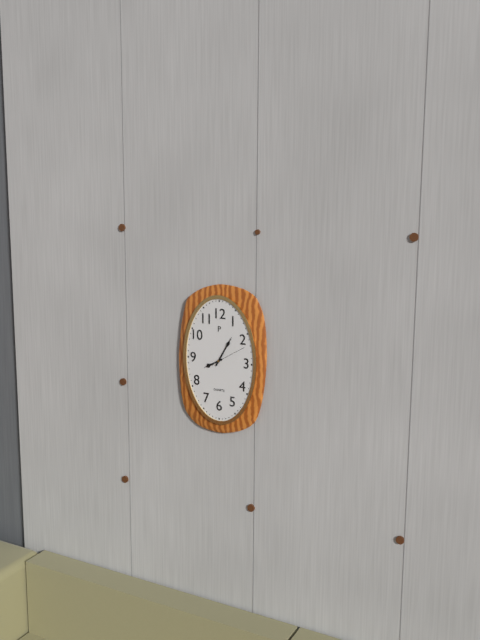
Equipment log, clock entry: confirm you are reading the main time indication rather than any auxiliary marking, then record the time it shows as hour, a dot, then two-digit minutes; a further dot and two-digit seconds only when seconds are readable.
8.05
